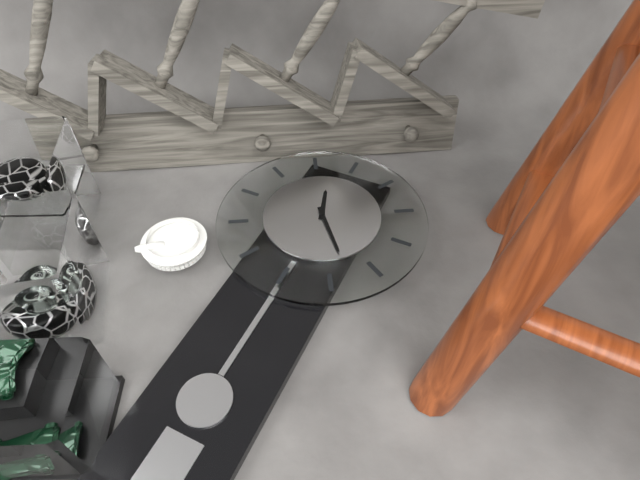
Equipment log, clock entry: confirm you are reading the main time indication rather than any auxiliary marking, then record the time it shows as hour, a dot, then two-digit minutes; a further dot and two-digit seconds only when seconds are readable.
11.23
